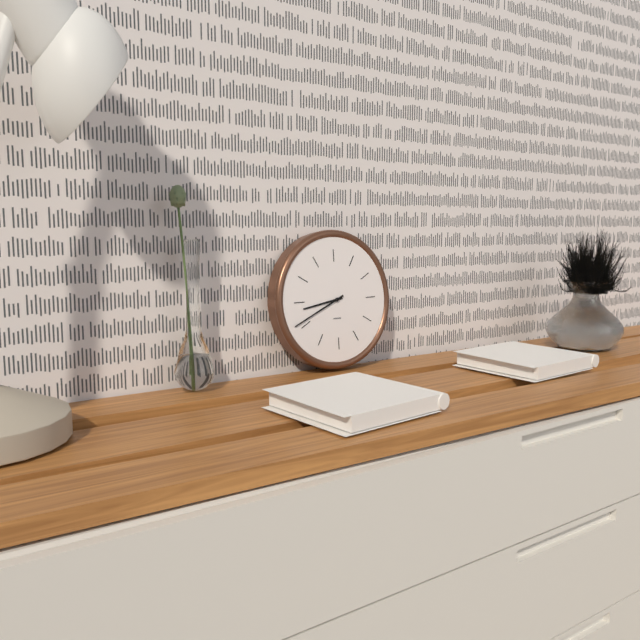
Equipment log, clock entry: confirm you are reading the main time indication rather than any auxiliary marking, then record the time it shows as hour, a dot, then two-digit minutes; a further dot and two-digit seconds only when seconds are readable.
8.41
